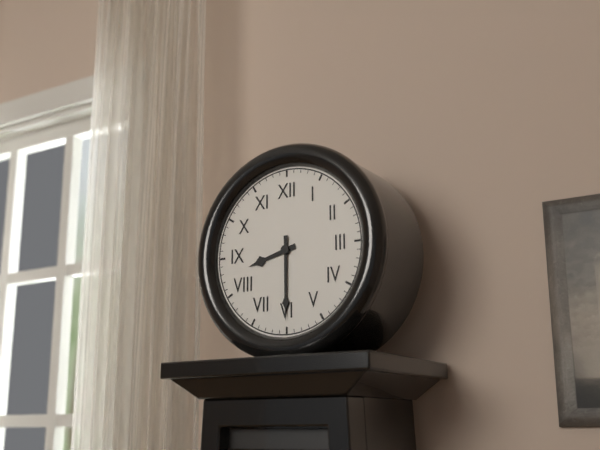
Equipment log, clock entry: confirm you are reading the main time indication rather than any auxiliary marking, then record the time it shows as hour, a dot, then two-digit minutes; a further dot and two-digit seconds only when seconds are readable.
8.30
